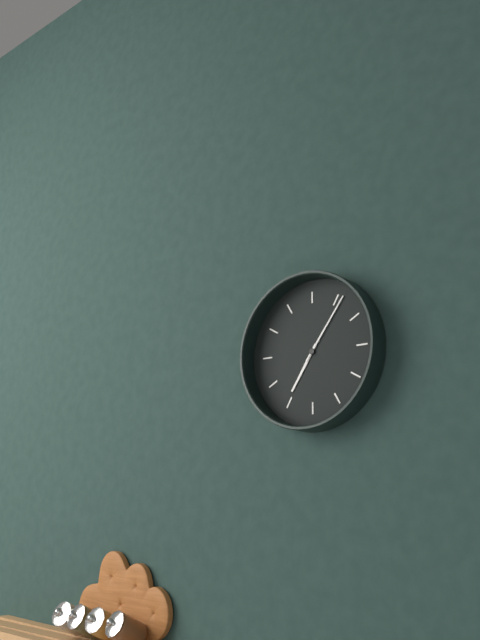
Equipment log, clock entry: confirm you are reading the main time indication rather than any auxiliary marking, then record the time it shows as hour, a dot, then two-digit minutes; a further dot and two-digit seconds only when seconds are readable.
7.06
